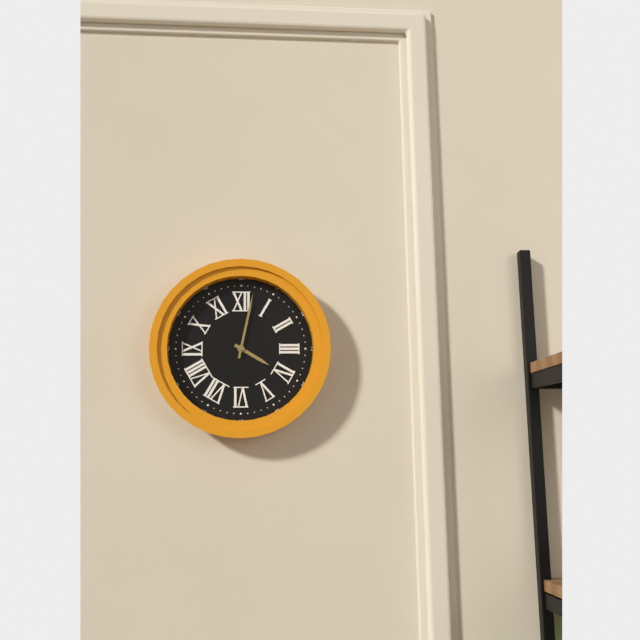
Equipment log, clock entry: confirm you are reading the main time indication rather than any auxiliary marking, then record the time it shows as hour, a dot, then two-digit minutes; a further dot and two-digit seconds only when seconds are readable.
4.02
